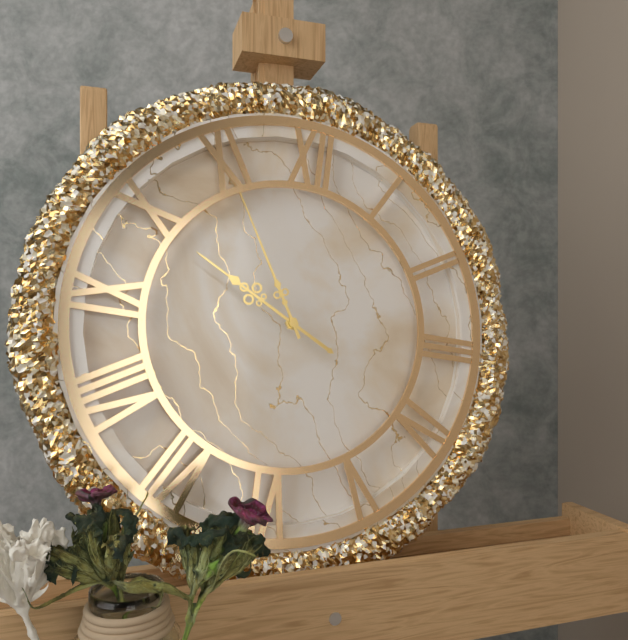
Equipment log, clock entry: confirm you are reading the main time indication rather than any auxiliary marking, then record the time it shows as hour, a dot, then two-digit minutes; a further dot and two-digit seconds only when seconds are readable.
9.55
